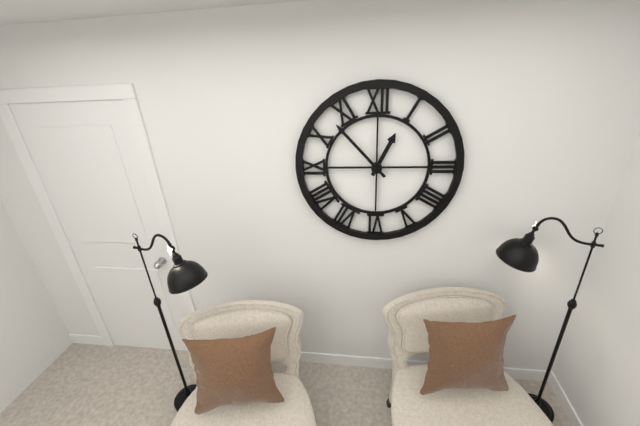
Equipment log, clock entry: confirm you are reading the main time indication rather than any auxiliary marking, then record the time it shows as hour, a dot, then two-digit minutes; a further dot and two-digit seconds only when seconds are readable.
12.53
